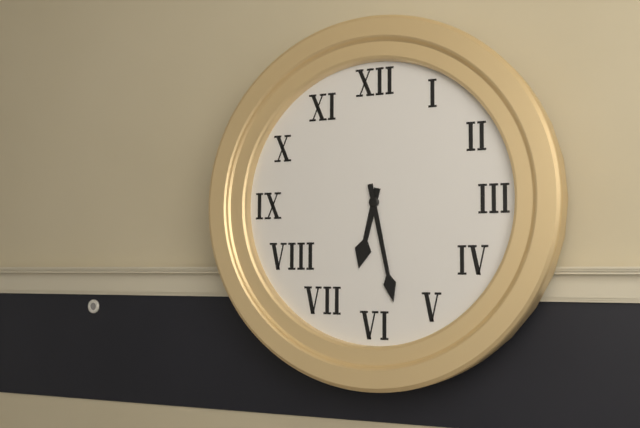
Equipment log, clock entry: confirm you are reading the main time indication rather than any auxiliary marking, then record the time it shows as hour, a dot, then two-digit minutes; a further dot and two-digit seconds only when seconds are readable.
6.28
